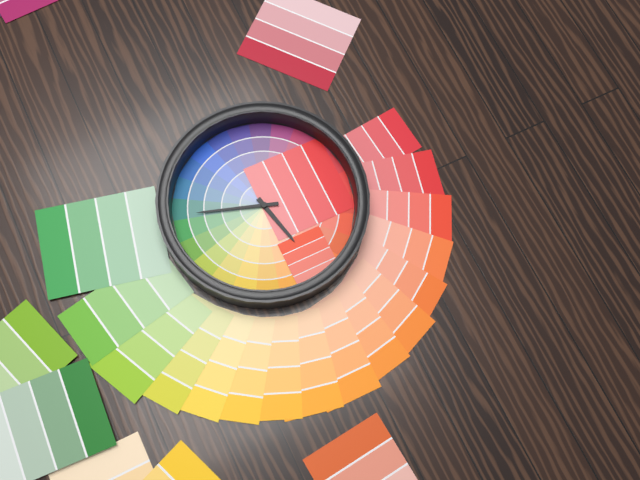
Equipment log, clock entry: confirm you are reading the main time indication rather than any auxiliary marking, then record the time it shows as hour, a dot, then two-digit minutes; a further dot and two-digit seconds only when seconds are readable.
2.33
